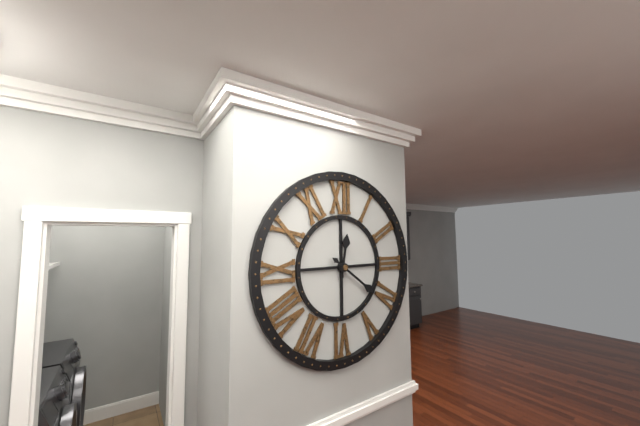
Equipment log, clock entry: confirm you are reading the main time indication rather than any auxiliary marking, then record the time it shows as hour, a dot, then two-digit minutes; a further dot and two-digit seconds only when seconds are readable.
12.21
